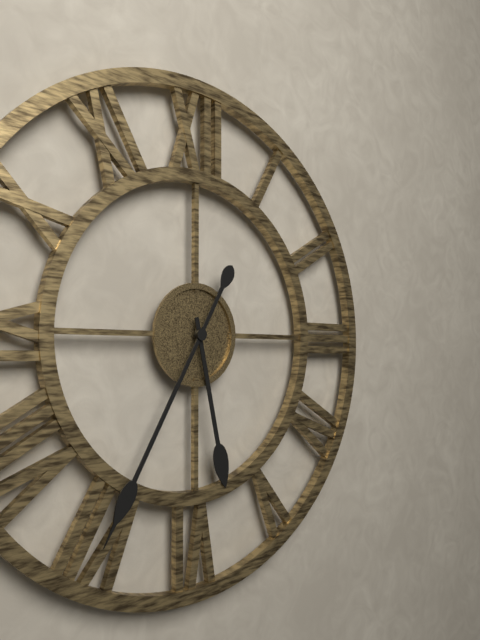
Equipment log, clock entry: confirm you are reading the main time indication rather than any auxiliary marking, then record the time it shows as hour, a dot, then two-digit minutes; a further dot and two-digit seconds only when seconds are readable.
5.35
